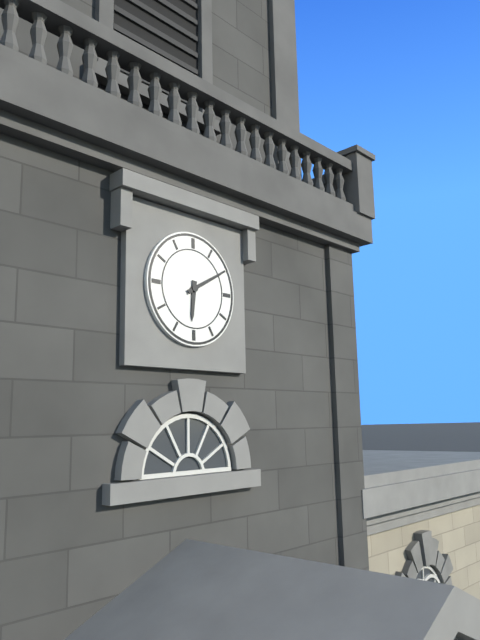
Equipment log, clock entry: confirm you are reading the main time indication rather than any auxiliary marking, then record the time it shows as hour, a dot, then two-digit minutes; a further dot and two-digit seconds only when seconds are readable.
6.10
